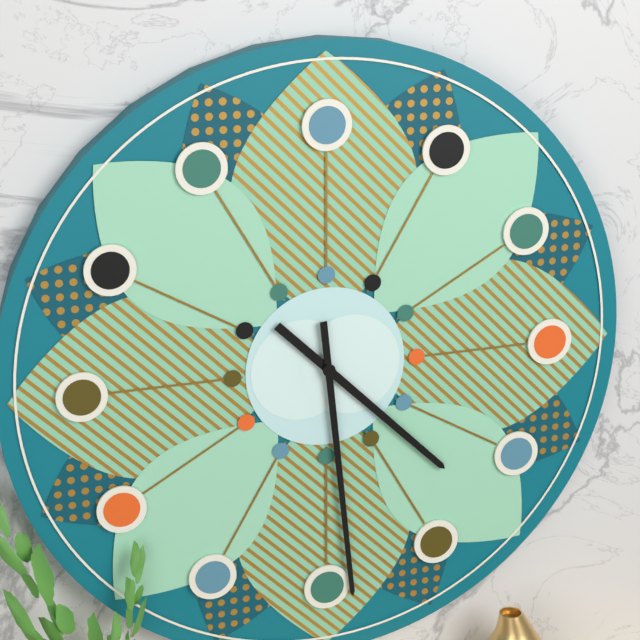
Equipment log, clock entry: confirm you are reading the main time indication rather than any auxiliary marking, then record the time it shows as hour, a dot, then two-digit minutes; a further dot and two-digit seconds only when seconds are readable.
4.29
